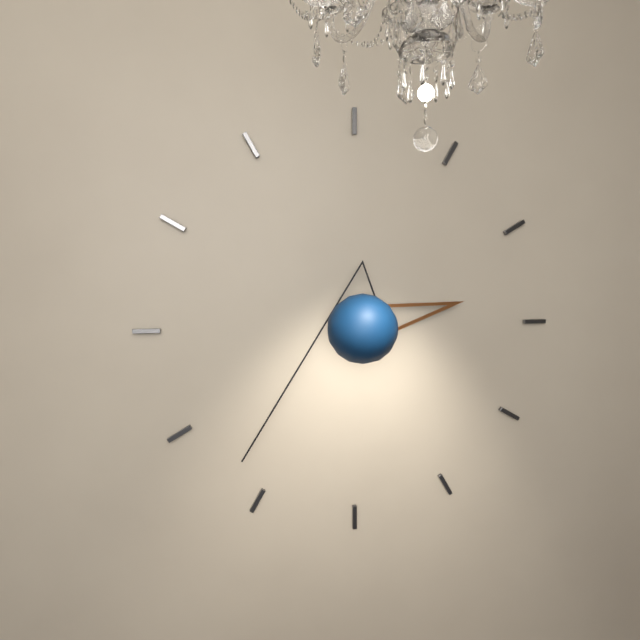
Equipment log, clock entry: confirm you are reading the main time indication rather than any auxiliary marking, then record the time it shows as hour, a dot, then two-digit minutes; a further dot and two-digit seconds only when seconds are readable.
2.37
